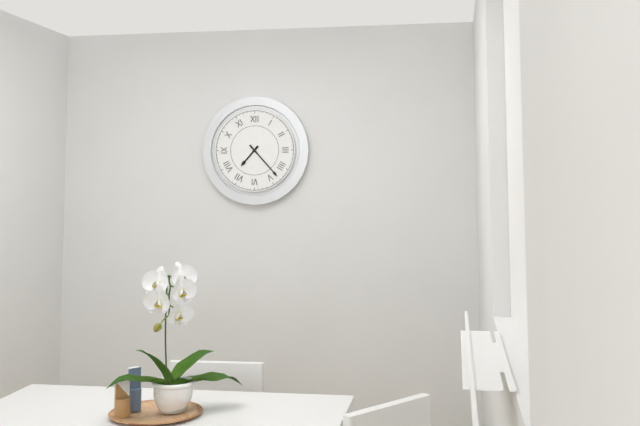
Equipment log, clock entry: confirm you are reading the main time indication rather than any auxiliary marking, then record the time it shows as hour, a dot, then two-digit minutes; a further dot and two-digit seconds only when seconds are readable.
7.23
